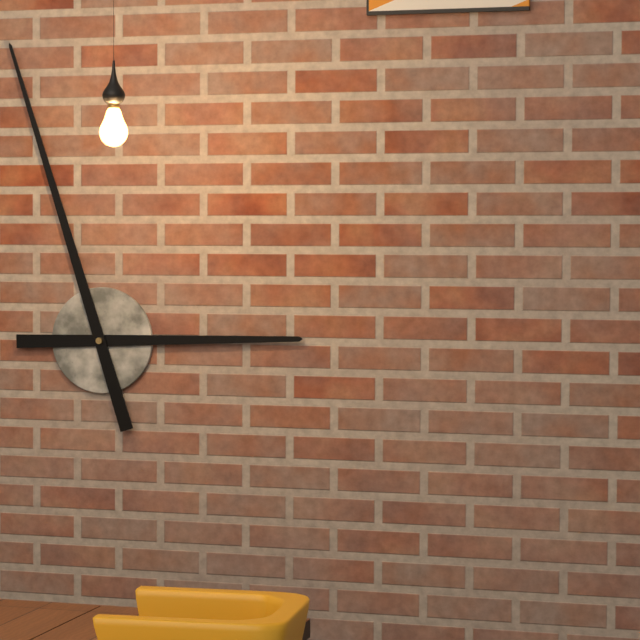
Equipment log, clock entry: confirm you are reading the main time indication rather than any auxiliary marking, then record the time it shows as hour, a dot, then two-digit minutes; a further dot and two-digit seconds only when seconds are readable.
2.57
